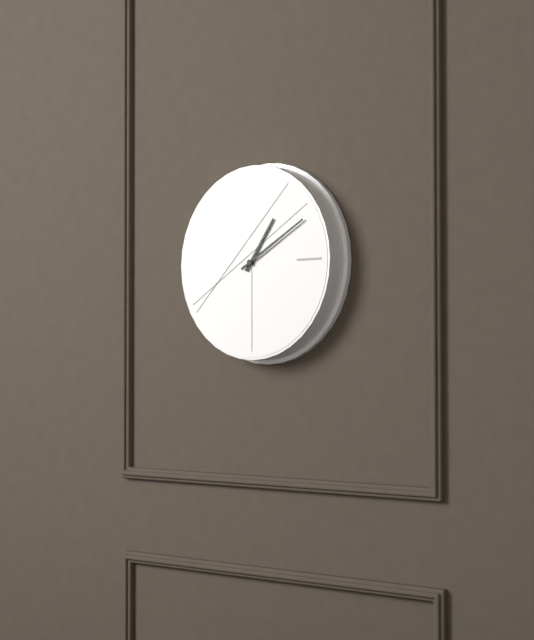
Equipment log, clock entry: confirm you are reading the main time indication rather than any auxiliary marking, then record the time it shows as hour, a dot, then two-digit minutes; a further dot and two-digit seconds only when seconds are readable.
1.10
